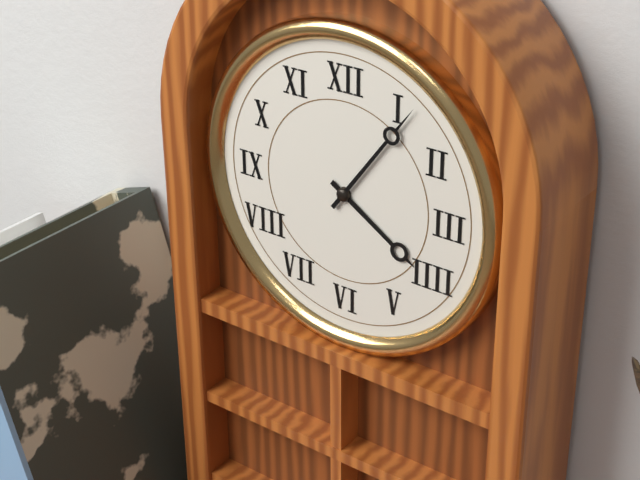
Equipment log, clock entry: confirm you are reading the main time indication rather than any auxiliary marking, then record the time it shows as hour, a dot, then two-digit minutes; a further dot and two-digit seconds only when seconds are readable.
4.06
